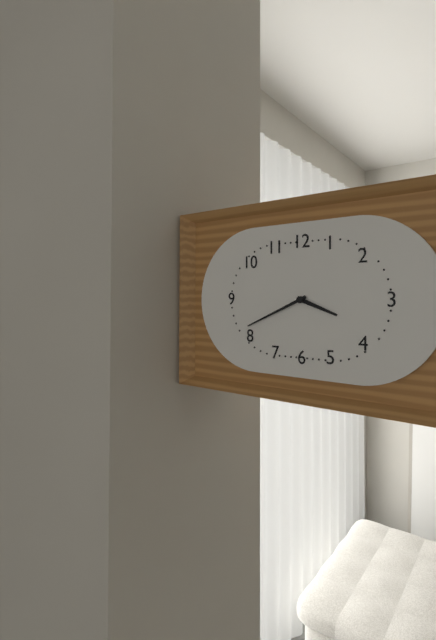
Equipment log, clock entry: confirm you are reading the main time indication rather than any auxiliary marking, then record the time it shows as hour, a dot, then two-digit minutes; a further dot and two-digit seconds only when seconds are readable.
3.41
